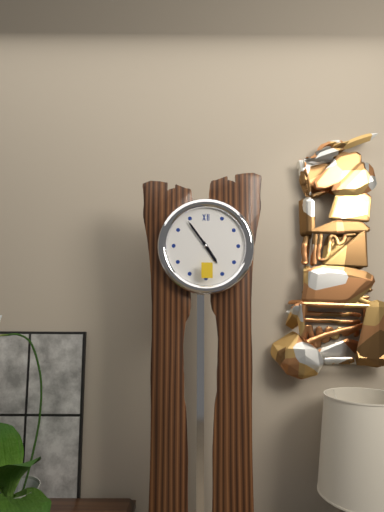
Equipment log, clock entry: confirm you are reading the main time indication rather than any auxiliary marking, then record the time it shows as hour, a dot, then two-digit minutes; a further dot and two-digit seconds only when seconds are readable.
4.54
